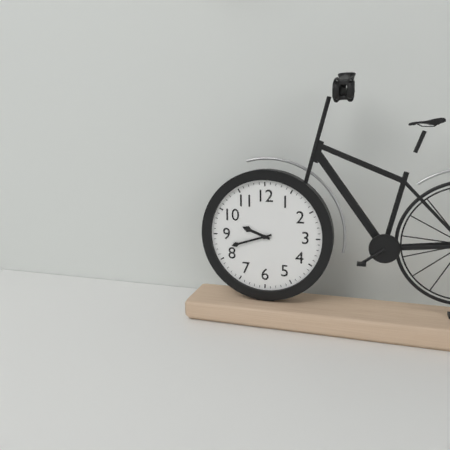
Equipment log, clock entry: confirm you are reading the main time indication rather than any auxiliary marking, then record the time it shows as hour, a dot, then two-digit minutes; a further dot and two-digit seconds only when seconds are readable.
9.42
